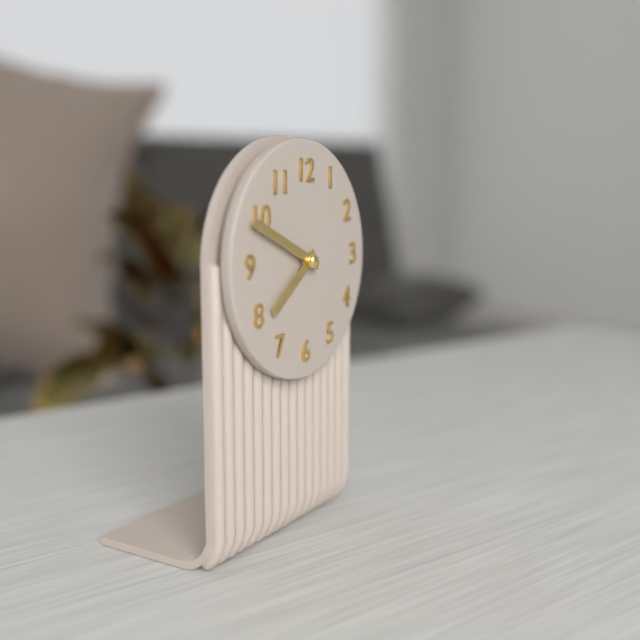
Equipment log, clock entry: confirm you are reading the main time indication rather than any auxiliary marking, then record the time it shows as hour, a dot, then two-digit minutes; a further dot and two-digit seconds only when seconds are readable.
7.49
